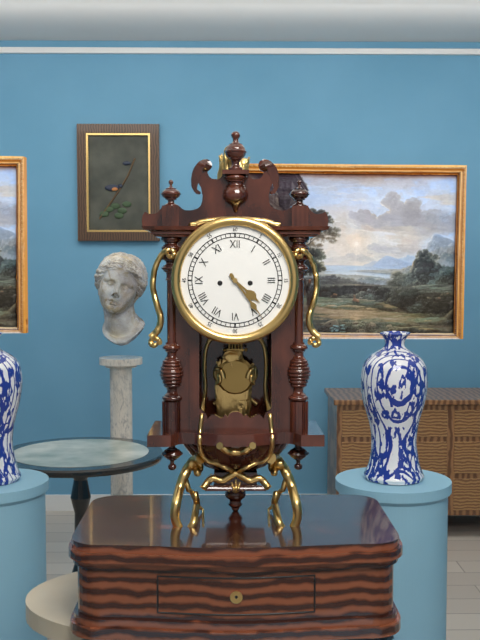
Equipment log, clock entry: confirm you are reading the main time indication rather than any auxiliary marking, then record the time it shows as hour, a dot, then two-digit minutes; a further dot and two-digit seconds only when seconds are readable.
4.24
